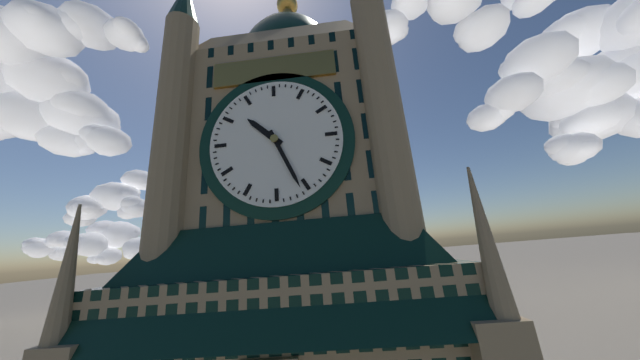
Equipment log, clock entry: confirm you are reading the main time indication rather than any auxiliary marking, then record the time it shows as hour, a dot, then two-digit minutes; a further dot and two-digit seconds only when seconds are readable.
10.26
